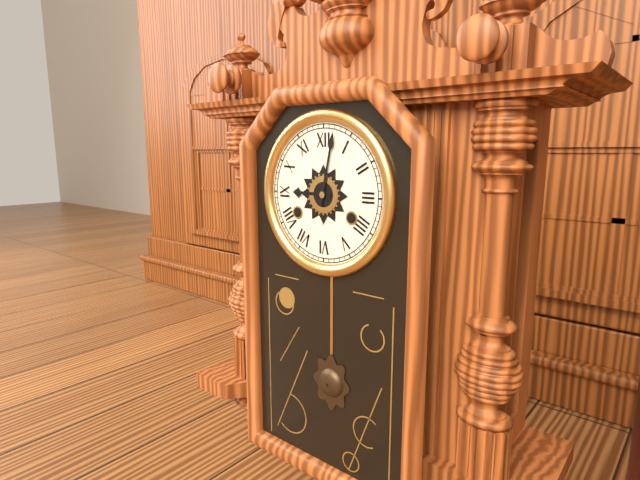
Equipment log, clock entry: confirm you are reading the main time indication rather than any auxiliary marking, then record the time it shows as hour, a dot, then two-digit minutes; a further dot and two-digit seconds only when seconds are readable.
9.02
